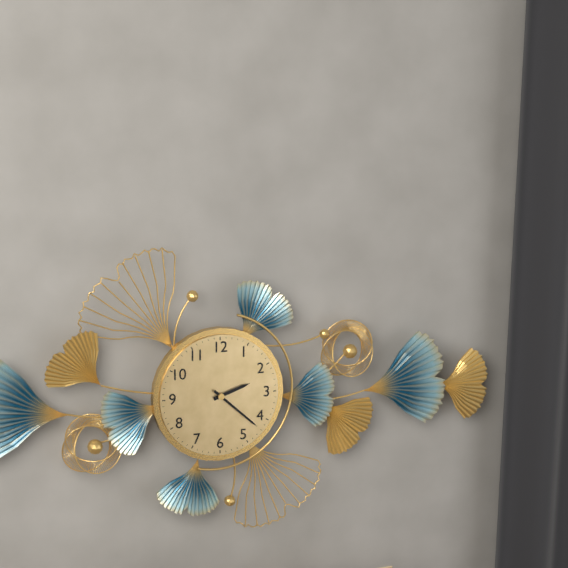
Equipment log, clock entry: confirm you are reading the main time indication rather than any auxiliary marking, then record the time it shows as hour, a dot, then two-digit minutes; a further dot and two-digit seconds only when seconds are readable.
2.22
